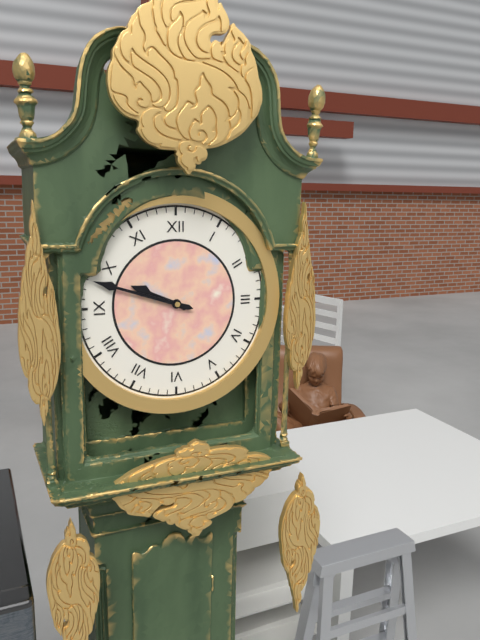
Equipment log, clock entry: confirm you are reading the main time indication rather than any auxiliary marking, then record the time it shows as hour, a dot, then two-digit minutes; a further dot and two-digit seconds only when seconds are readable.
9.48
